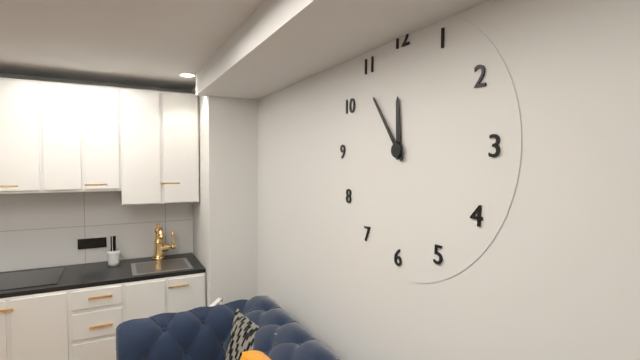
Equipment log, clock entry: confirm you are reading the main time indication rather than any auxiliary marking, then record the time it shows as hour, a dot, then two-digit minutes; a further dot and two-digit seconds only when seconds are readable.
11.54
